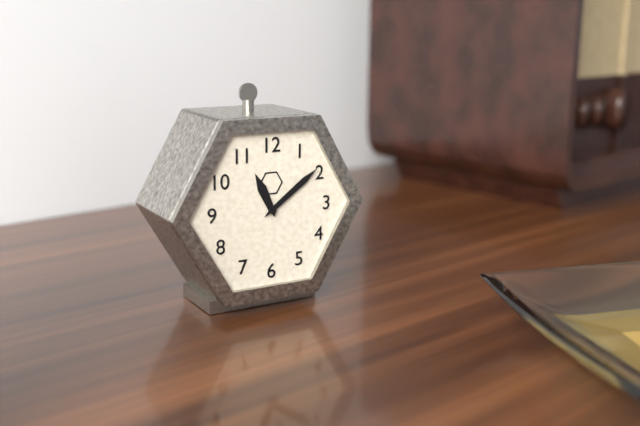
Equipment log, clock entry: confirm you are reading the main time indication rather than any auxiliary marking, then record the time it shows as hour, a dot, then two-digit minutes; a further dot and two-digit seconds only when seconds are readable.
11.09
